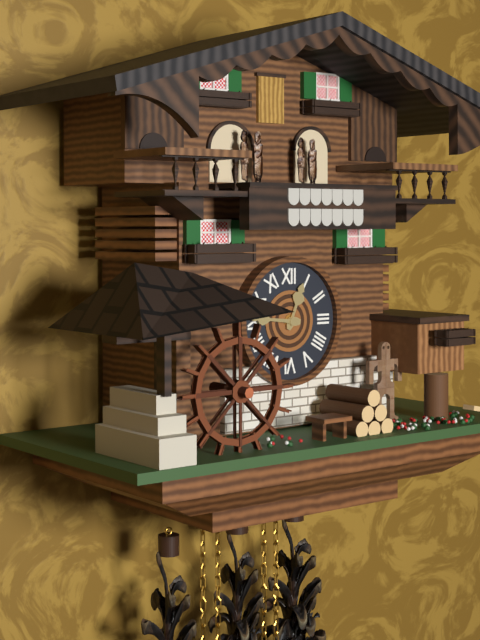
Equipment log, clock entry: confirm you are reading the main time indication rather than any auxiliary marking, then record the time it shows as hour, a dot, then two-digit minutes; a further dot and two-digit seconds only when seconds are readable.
12.46
